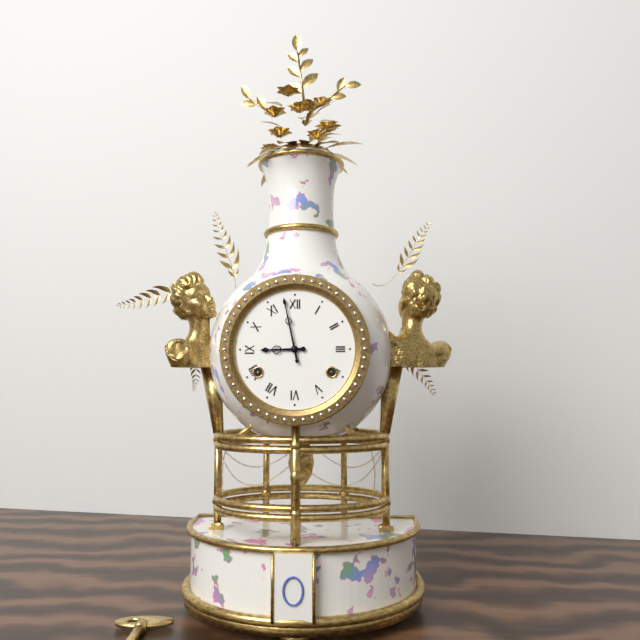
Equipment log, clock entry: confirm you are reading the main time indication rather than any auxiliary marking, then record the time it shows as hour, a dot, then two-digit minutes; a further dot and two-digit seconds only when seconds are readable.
8.58
